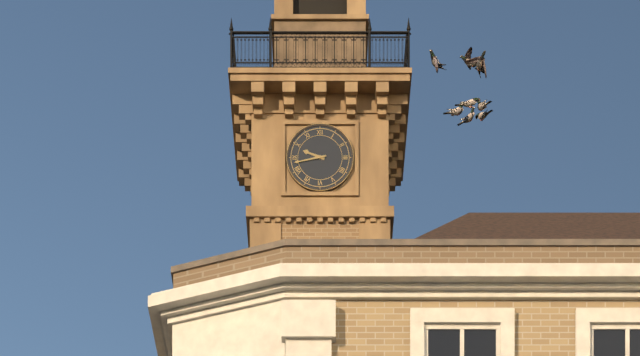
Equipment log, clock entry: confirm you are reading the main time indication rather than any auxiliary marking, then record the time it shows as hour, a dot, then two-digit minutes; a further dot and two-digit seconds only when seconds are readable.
9.43
